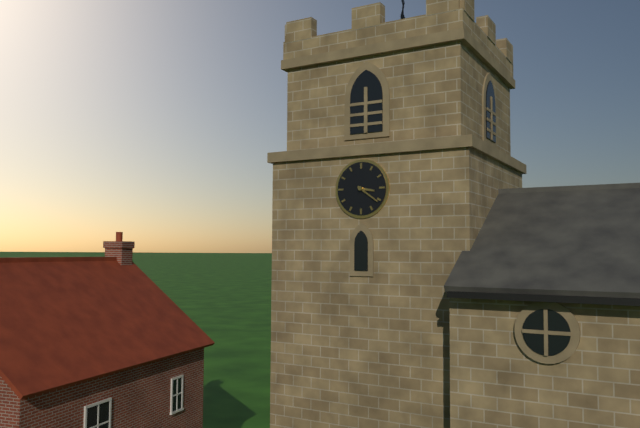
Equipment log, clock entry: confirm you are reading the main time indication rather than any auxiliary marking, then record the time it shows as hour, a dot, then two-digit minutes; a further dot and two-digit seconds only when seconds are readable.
3.21
